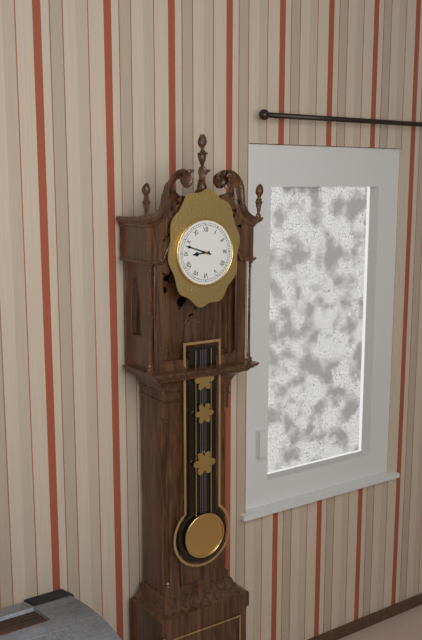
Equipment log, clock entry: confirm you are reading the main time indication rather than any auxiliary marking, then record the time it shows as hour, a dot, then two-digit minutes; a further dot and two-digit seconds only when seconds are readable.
8.48
